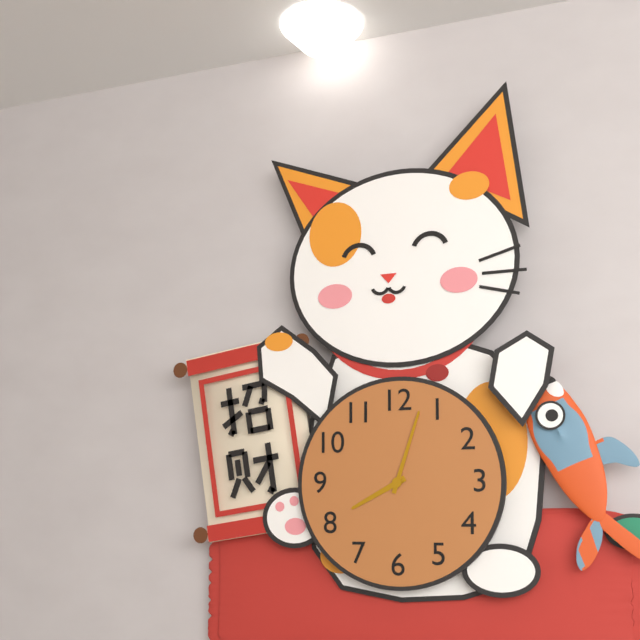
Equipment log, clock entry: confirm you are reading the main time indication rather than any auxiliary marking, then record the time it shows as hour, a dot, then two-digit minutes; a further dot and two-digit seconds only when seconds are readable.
8.03
